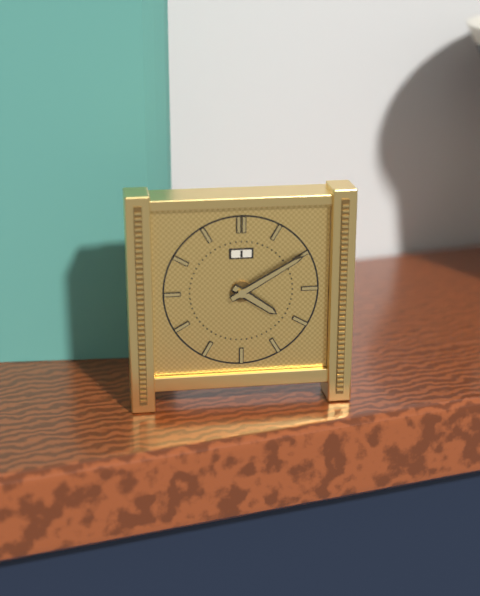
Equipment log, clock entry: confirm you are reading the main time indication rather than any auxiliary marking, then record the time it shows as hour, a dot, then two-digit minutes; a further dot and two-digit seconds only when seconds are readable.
4.10
